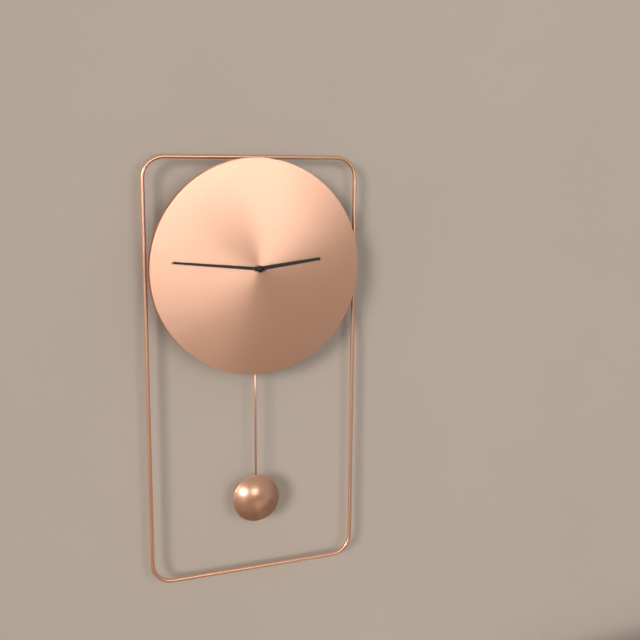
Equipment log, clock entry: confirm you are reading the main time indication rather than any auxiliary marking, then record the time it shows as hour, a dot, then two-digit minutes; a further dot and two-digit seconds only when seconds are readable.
2.46
